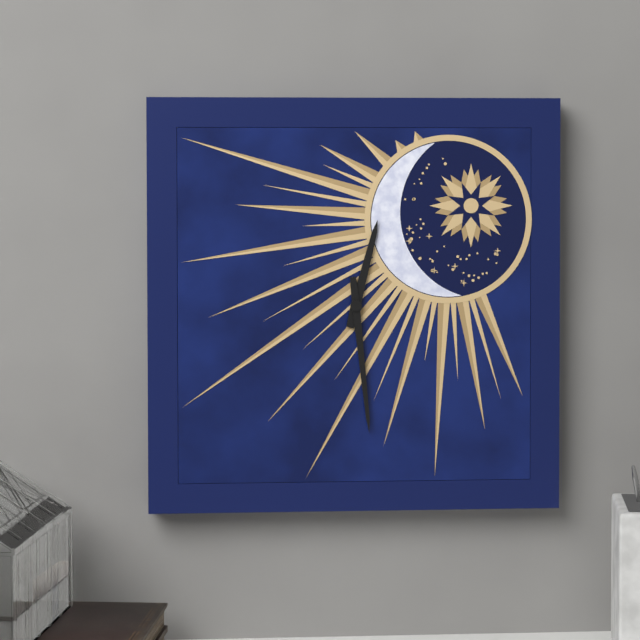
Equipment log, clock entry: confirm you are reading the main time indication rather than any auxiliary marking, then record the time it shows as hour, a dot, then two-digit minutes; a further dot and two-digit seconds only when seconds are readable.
12.29
